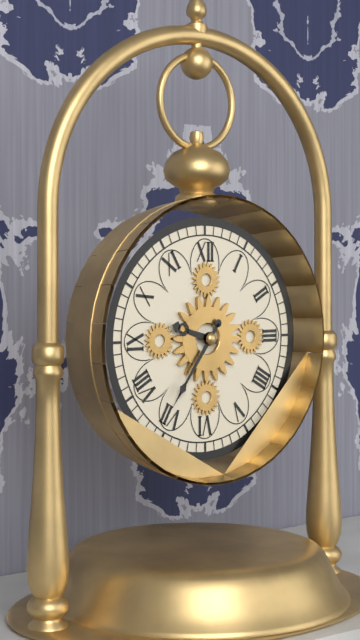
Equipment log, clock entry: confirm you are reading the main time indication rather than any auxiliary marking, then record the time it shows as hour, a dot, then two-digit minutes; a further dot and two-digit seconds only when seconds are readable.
9.36
